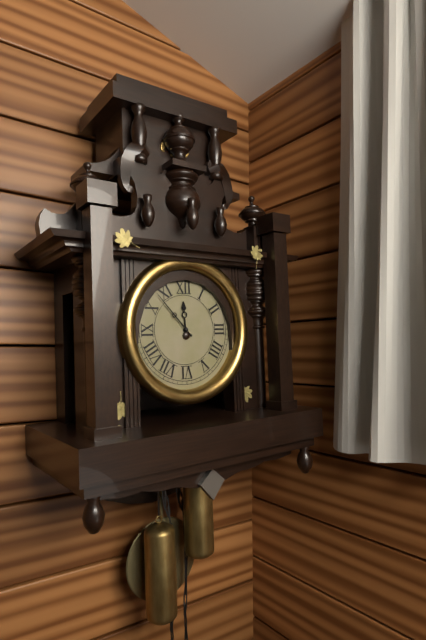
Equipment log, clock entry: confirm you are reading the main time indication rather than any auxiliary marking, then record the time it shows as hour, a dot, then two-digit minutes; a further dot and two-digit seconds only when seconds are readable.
11.53
